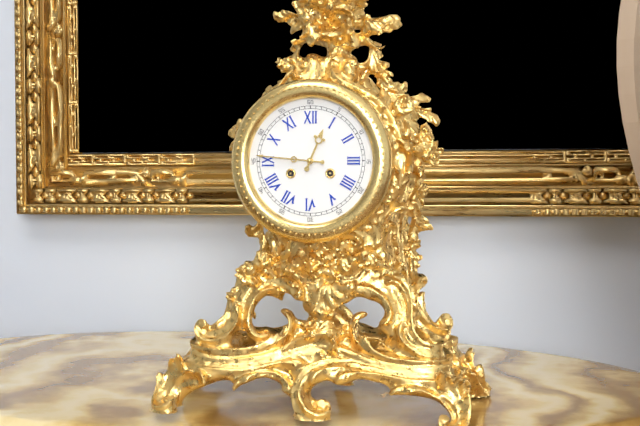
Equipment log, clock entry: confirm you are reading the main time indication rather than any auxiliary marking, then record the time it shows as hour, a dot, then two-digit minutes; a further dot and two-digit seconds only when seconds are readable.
12.46
